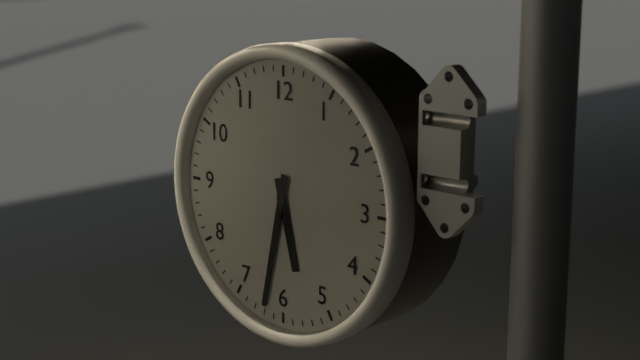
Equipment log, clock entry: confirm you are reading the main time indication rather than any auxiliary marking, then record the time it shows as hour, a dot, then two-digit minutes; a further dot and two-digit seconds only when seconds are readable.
5.32
